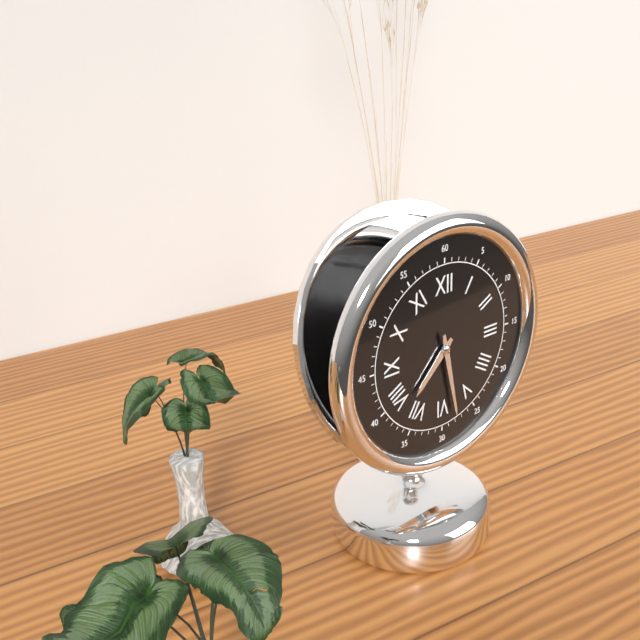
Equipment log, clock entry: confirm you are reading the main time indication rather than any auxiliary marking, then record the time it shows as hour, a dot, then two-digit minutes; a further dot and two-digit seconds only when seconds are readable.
7.28
